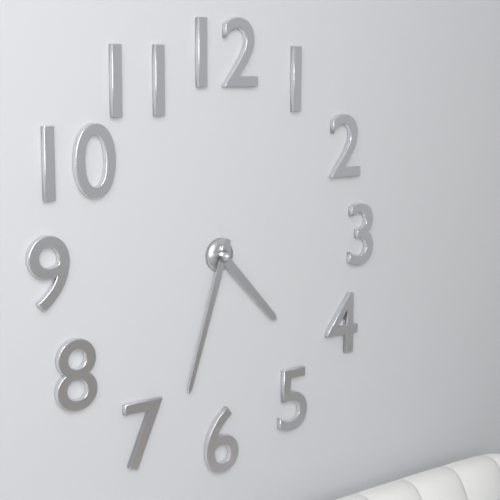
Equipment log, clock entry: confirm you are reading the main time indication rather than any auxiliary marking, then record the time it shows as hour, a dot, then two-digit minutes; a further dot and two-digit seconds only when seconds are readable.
4.33
